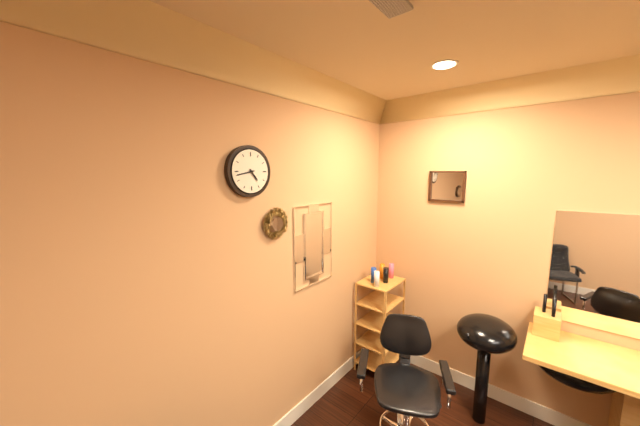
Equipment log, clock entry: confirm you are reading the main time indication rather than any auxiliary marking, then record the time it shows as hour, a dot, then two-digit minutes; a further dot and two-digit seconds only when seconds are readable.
4.43
